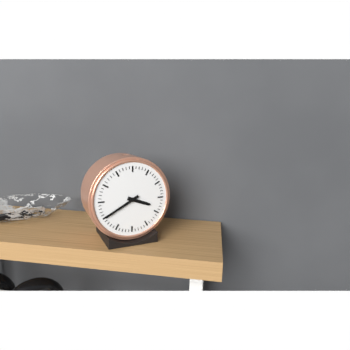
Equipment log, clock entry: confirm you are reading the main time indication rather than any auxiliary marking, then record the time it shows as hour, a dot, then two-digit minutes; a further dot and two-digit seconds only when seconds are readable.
3.40
